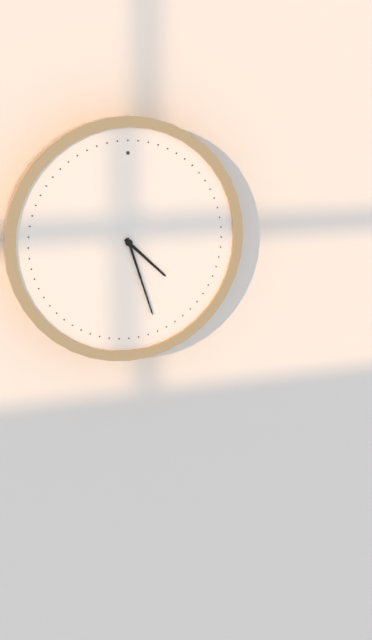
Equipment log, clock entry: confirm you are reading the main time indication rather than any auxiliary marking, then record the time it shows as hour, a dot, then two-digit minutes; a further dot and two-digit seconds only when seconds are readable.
4.27
